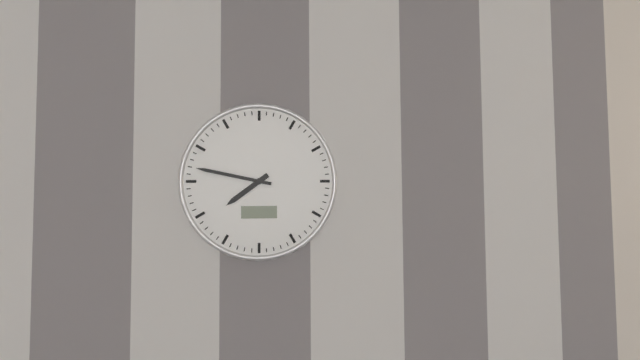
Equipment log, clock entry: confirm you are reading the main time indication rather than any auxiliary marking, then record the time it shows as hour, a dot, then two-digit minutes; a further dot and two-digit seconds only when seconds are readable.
7.47
